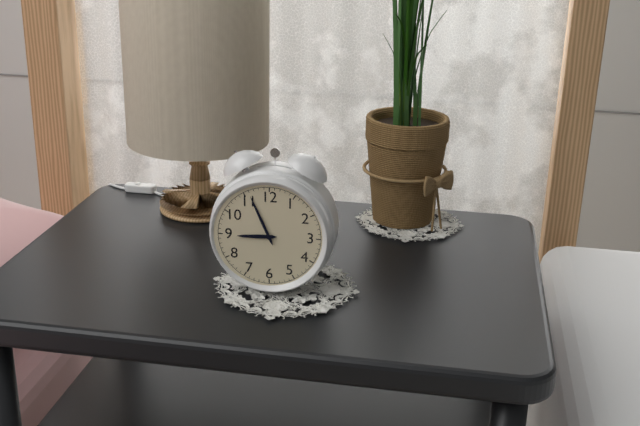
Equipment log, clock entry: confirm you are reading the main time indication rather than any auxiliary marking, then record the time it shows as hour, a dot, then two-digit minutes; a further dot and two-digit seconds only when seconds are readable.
8.56
